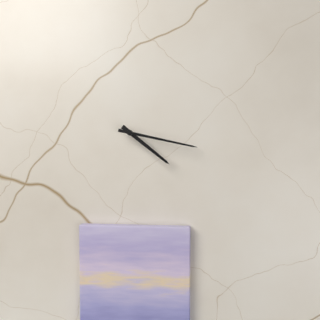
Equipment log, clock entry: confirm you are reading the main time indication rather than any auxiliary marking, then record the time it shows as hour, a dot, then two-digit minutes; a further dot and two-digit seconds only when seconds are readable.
4.17
